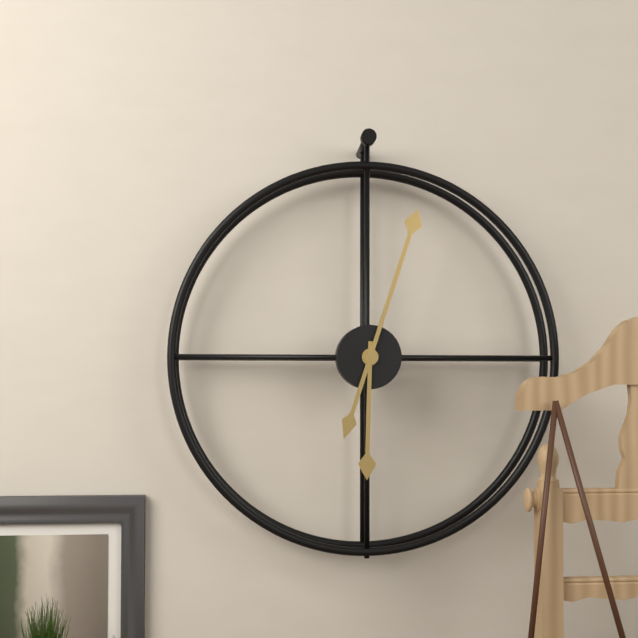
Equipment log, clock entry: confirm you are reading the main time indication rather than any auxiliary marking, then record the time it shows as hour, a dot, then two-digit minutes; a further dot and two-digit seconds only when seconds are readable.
6.03
